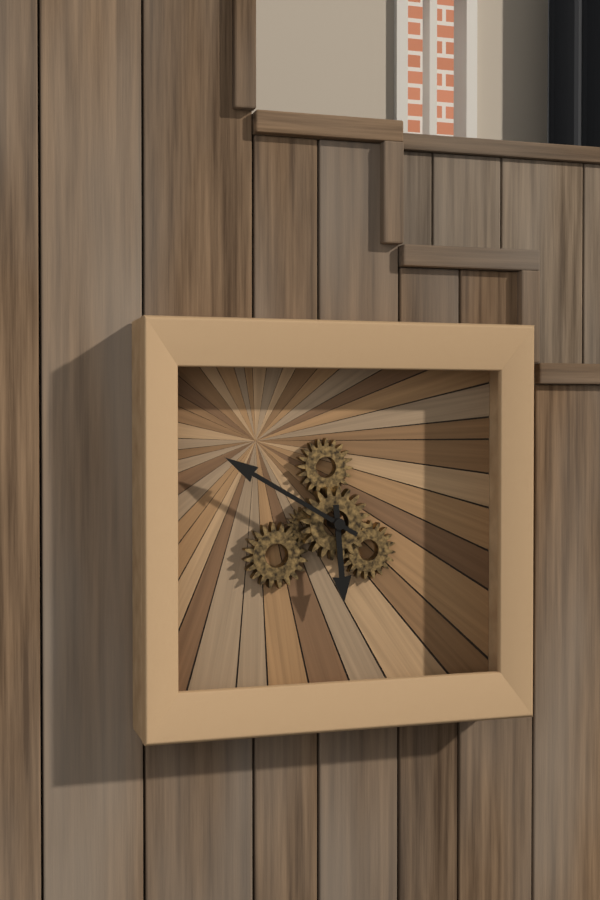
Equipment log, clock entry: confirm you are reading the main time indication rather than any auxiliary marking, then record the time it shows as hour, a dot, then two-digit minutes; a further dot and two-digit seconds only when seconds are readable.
5.50
